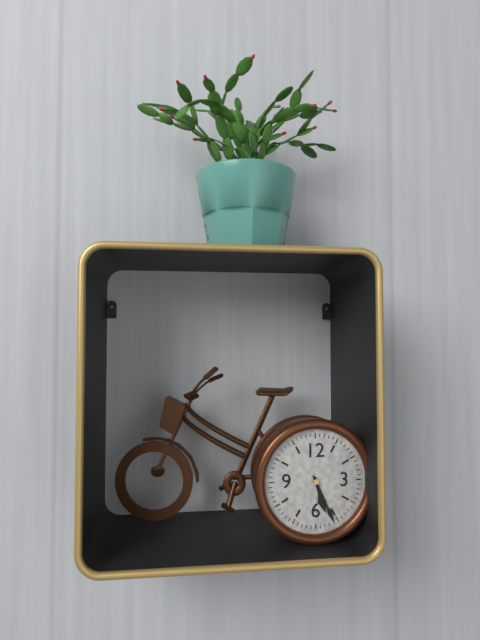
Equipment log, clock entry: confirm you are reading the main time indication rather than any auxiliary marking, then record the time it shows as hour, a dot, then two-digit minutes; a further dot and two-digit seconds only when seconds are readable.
5.26
